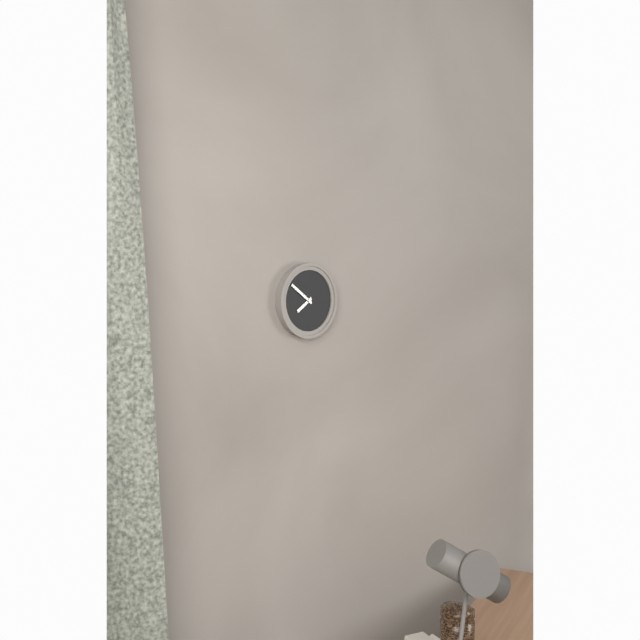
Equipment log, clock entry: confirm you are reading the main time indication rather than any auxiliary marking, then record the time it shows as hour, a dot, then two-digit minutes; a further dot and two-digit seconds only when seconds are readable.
7.51
